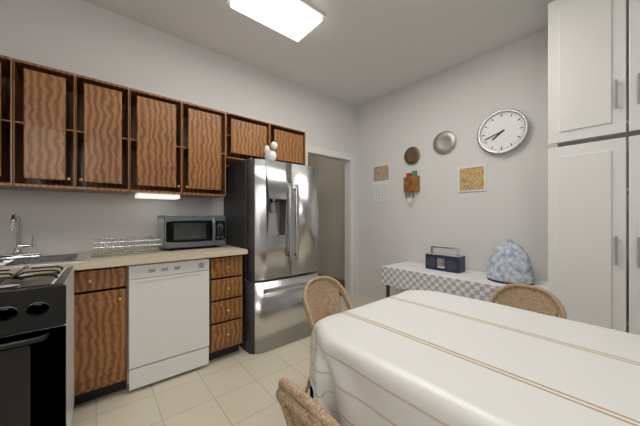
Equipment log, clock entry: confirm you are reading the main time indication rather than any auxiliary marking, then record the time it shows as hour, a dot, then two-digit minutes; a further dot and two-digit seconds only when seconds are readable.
7.42
